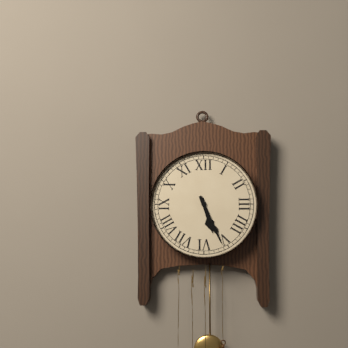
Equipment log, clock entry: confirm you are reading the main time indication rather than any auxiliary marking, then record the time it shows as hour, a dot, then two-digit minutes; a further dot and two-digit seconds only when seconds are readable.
5.26
